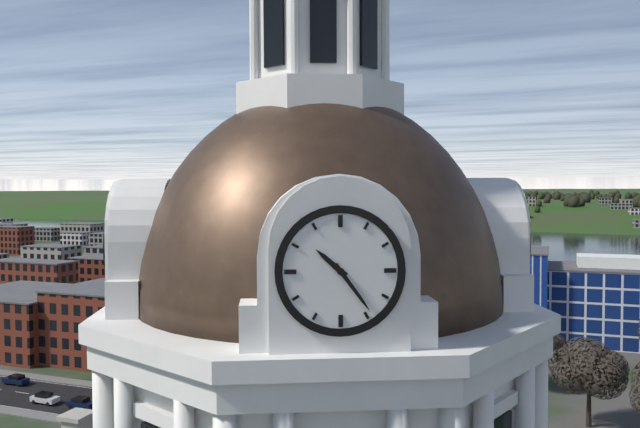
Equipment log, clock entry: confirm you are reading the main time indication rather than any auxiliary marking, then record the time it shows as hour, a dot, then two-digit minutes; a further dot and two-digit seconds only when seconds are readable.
10.24
